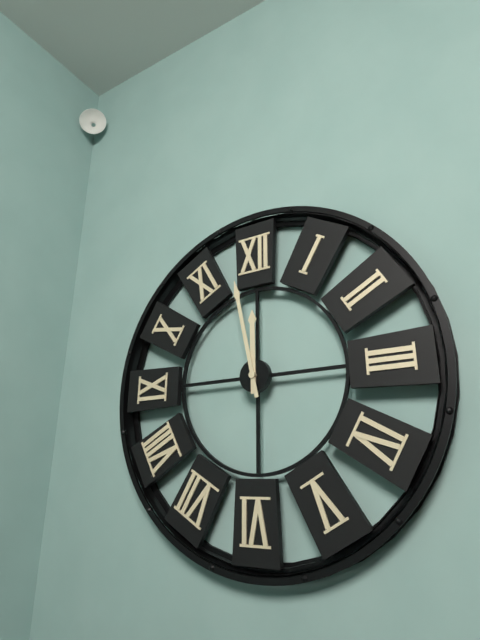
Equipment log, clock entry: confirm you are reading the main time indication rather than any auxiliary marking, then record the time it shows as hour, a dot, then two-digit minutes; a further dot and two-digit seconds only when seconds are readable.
11.58
